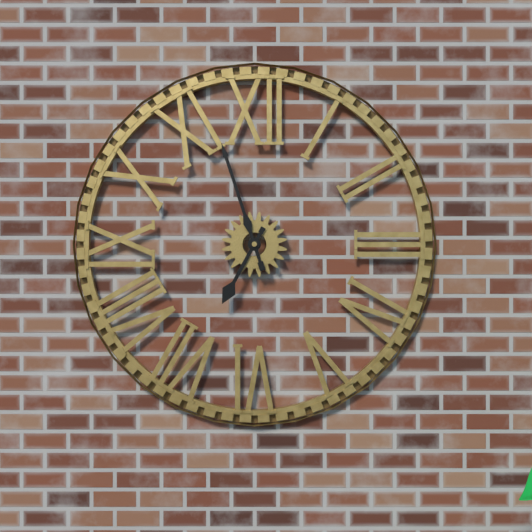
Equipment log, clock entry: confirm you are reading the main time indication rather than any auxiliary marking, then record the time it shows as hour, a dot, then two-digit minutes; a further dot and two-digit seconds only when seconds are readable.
6.57
